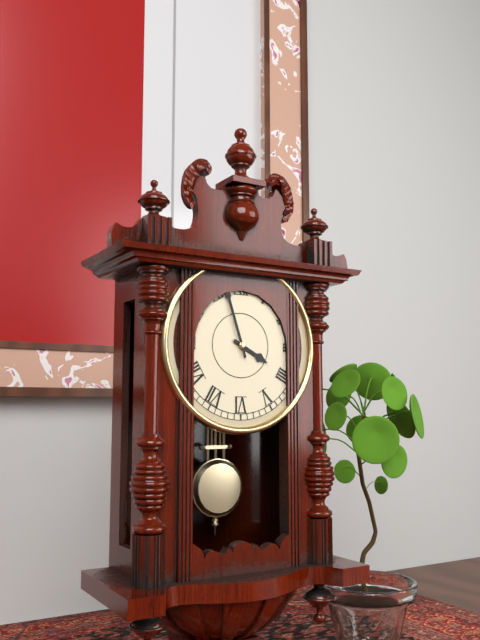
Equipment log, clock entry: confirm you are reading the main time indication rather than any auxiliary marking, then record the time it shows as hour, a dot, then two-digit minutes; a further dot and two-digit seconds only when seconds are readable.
3.57
